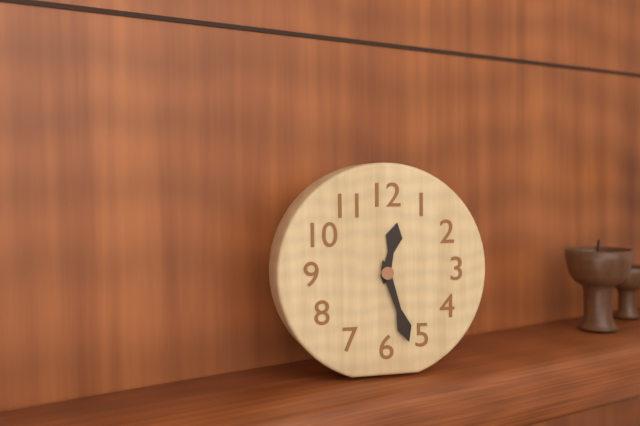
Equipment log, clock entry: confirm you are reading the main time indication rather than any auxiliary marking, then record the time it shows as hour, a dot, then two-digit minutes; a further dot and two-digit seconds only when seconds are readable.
12.27
